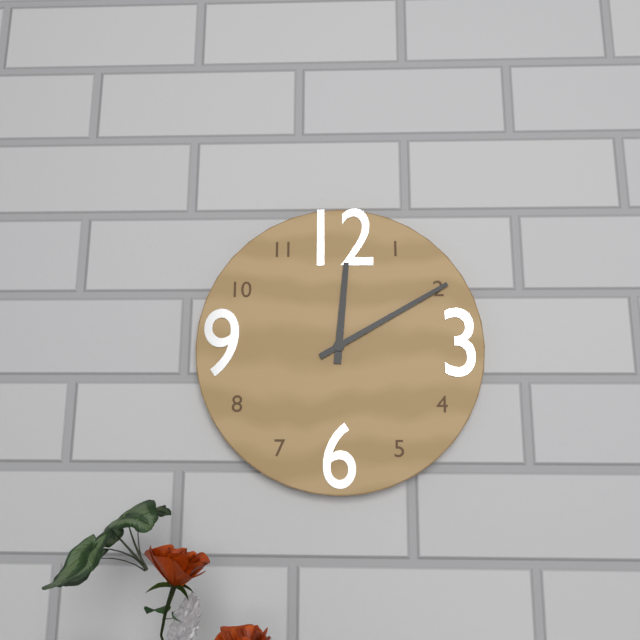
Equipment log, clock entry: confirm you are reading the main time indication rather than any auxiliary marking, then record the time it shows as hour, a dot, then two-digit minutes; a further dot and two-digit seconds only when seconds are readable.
12.10
